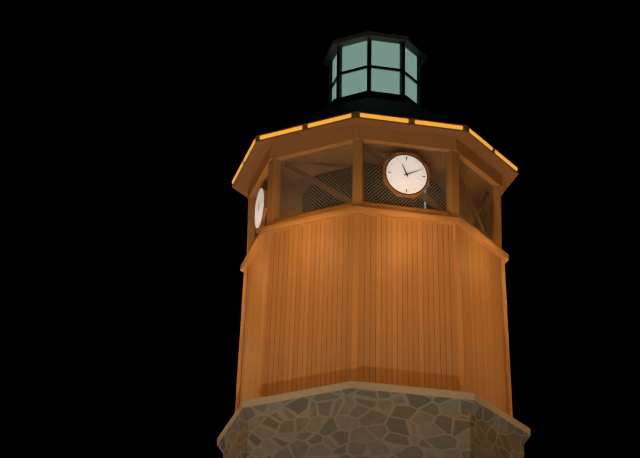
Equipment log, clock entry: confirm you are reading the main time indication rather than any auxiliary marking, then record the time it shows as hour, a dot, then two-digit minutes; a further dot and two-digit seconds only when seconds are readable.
11.11
